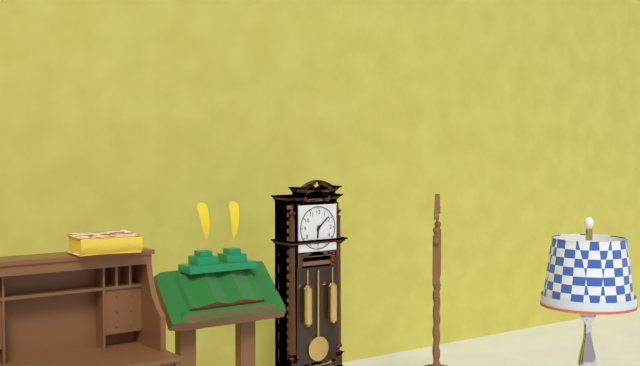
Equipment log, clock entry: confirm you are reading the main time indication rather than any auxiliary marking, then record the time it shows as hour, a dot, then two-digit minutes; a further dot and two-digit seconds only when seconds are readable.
6.08
